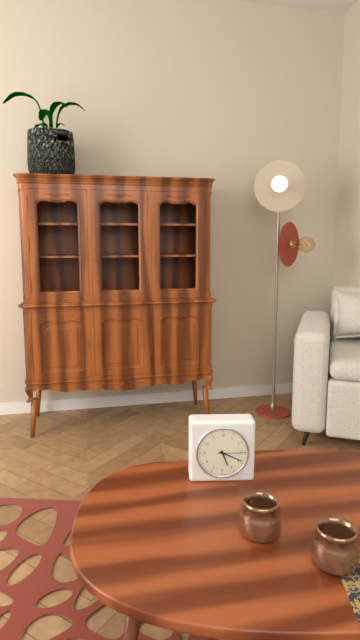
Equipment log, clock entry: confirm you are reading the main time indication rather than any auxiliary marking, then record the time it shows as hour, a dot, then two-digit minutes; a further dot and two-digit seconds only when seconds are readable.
5.19
